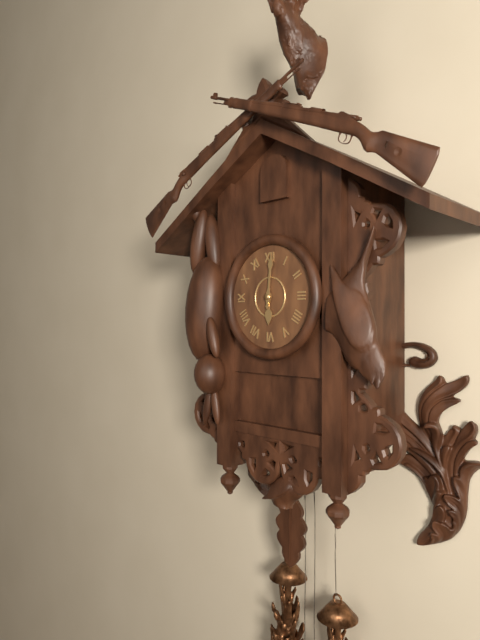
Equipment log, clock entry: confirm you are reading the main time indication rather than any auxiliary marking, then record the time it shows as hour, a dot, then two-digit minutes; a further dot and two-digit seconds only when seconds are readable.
6.01
